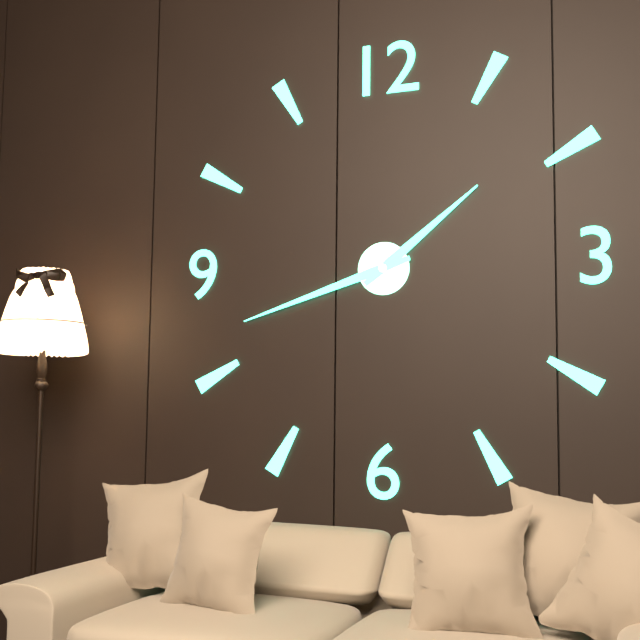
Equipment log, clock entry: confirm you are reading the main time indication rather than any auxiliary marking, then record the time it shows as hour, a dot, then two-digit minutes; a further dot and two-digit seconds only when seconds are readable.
1.42
